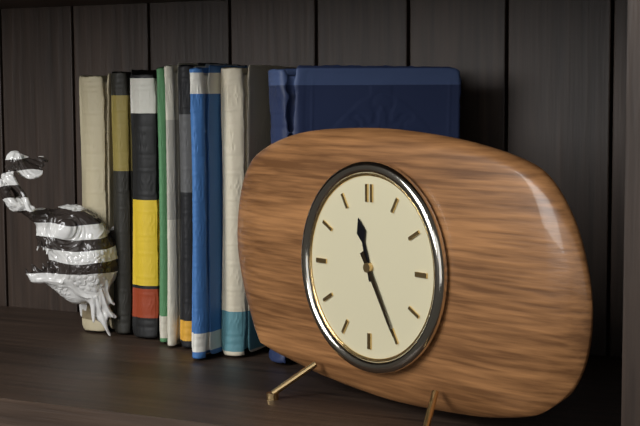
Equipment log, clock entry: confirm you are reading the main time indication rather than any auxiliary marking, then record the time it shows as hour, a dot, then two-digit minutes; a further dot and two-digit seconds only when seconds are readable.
11.25
